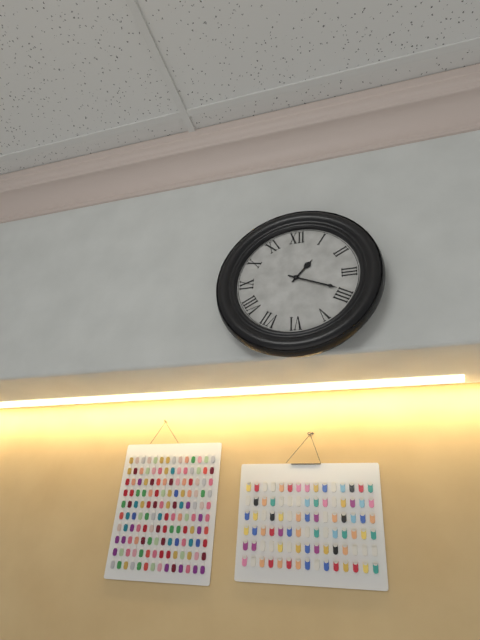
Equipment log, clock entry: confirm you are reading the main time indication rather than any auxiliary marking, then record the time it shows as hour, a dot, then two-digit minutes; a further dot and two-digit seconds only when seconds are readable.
1.19
